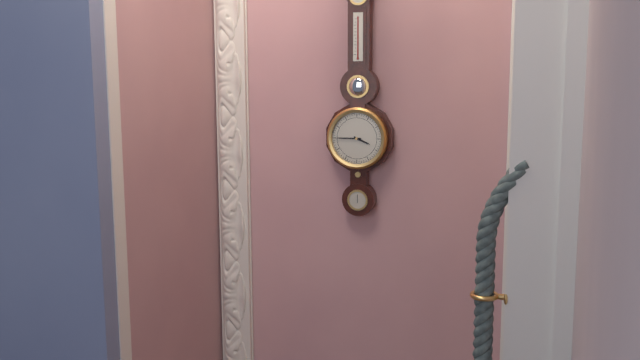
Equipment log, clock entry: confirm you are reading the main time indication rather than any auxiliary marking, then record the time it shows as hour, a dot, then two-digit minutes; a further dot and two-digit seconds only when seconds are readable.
3.45
